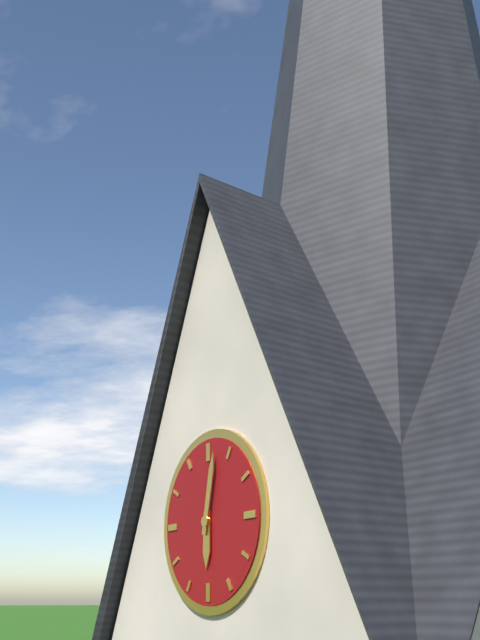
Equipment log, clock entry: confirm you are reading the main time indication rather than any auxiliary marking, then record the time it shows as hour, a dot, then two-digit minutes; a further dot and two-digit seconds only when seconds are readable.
6.02
